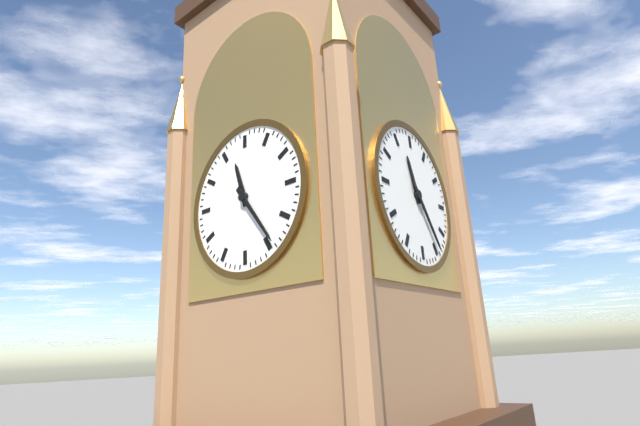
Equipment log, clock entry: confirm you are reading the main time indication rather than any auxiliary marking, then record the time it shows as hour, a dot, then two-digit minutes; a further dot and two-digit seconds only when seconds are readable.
11.24
